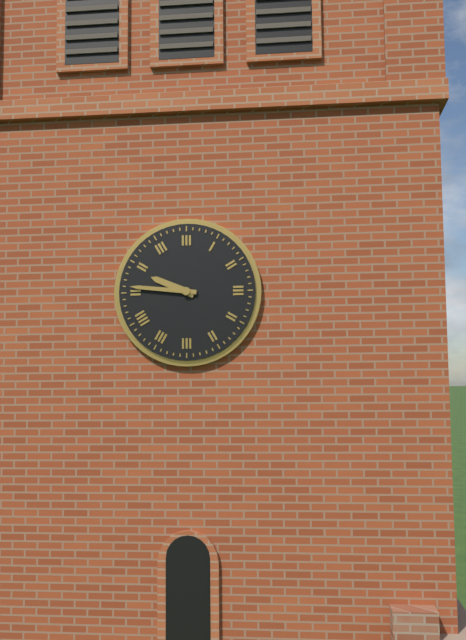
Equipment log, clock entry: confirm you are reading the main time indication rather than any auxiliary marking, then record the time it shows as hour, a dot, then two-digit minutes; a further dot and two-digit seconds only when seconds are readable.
9.46
